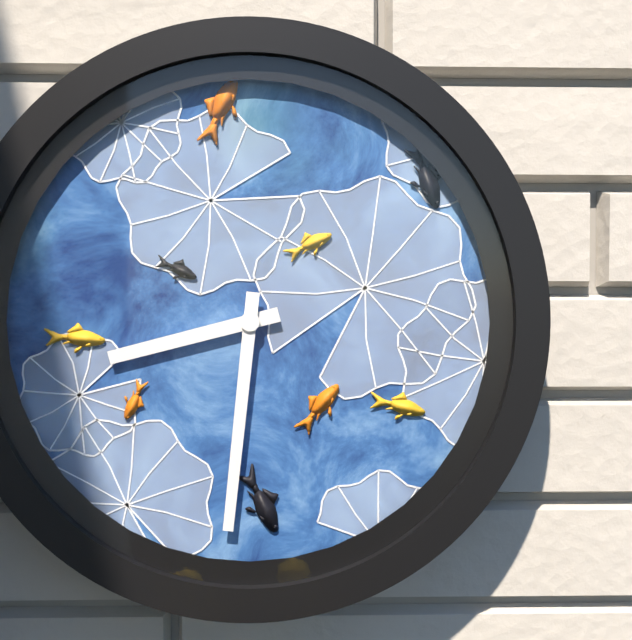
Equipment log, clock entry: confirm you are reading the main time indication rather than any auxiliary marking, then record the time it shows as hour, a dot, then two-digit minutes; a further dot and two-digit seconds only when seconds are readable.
8.31
